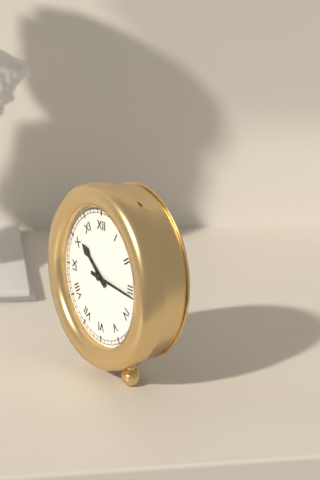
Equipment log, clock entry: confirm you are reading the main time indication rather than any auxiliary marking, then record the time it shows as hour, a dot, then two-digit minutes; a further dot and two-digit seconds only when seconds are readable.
10.16
